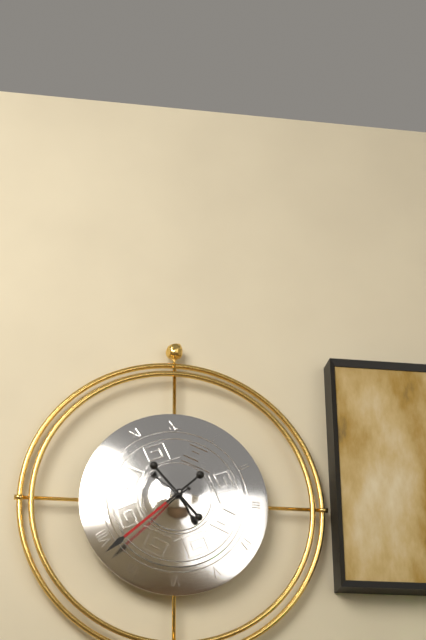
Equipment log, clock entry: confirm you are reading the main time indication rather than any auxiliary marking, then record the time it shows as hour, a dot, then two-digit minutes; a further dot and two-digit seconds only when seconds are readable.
10.38
